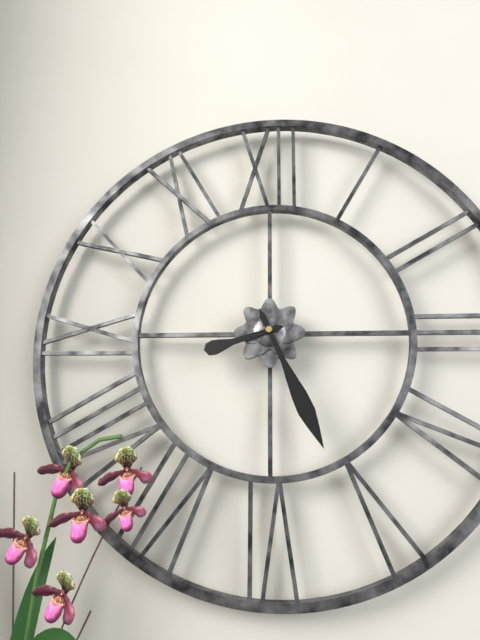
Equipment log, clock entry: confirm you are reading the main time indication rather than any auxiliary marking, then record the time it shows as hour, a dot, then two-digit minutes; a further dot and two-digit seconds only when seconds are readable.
8.26
